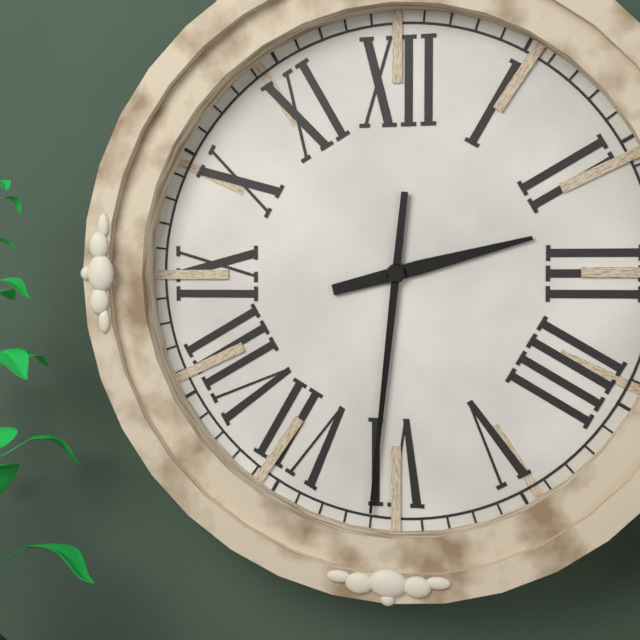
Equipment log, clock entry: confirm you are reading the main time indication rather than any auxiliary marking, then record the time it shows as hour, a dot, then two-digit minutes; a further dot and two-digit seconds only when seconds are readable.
2.31
